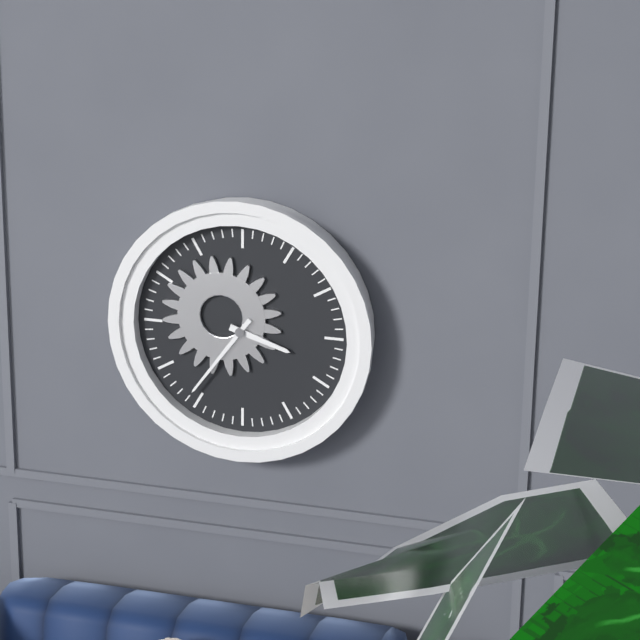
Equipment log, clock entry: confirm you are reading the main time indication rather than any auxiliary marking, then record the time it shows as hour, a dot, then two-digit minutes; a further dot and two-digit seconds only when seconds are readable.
3.36
